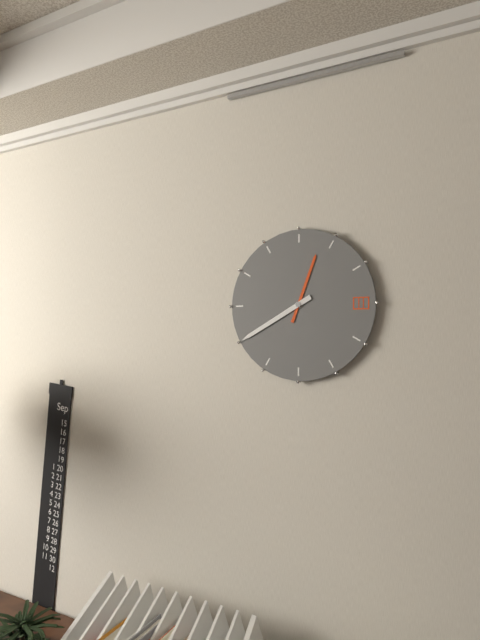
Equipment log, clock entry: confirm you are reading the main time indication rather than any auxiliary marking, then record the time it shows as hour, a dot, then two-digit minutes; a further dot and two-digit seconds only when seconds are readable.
12.40
